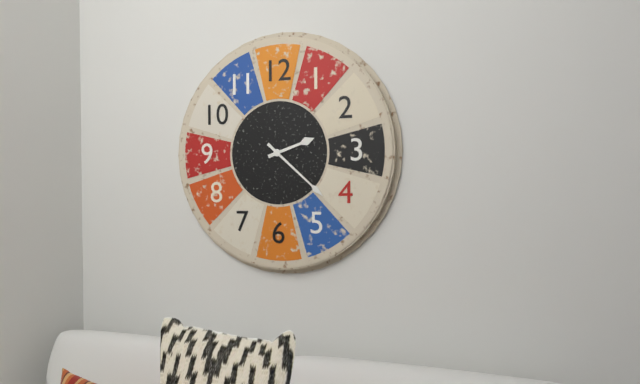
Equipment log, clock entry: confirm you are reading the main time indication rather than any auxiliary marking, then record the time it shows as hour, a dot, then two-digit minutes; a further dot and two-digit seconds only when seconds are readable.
2.22
